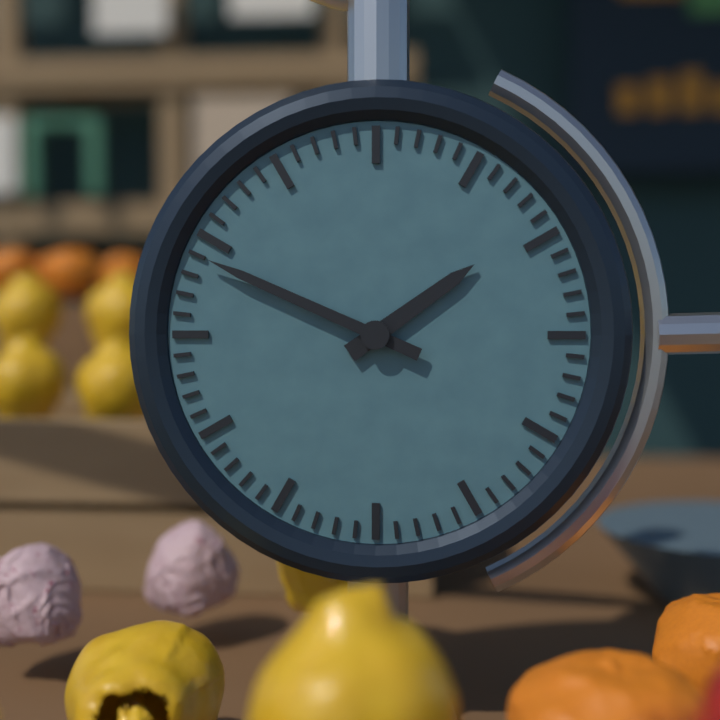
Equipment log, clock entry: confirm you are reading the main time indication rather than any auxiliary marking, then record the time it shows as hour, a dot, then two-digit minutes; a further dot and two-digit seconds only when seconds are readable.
1.49
